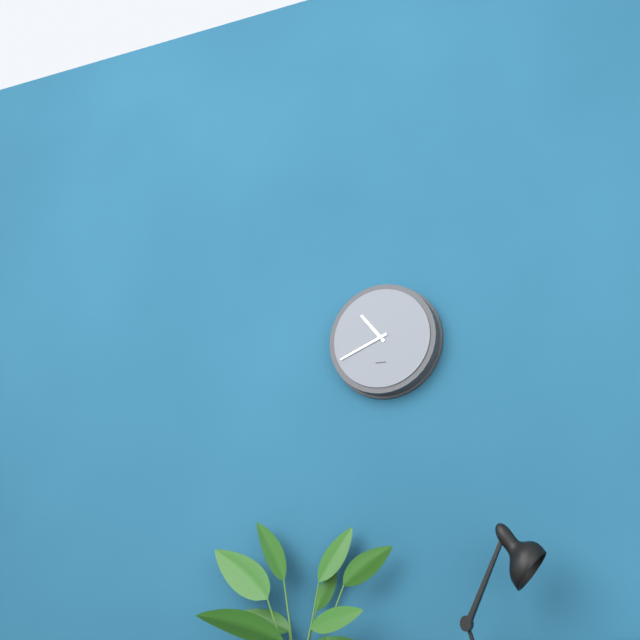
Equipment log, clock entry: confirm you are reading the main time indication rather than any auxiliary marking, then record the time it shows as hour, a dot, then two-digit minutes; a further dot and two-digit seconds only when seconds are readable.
10.41
